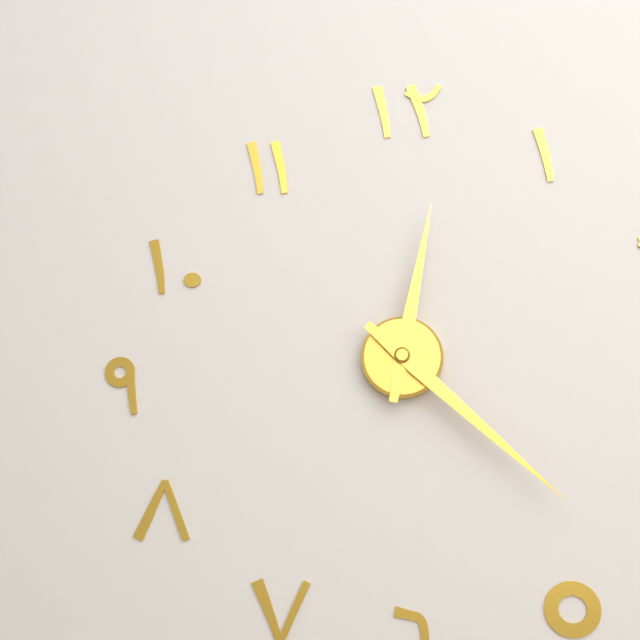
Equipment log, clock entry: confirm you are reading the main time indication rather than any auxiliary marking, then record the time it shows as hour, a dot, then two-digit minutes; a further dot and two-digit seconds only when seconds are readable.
12.22
